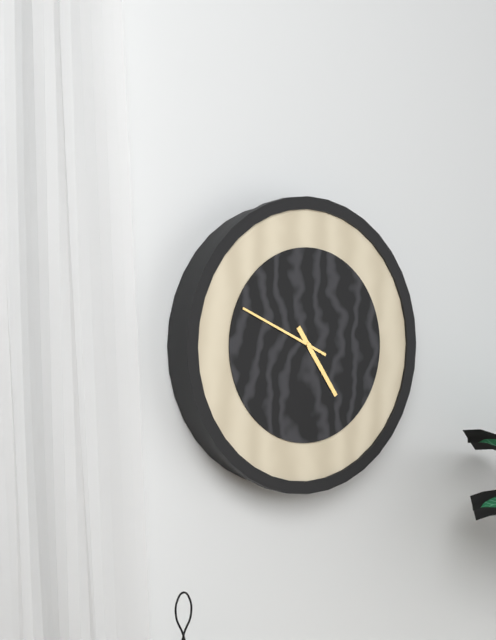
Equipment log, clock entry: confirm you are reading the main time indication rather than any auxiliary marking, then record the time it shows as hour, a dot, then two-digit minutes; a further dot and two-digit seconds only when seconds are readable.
4.49
